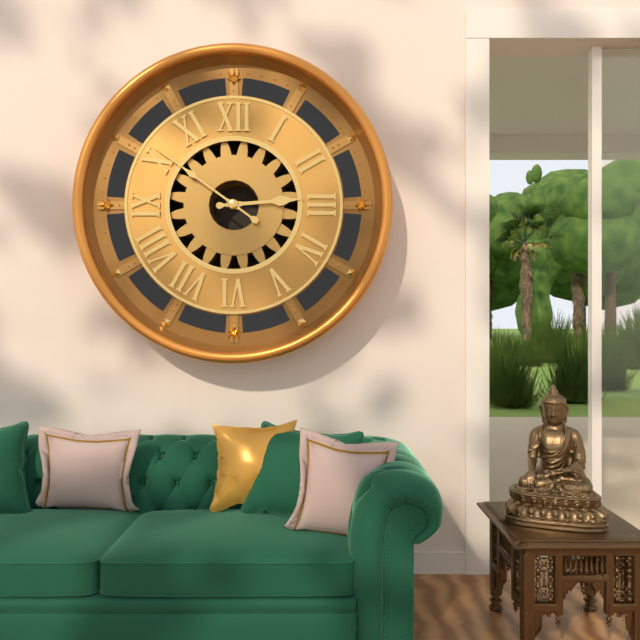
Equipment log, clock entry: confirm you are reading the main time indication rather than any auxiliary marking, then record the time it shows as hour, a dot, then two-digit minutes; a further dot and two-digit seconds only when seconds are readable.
2.51
